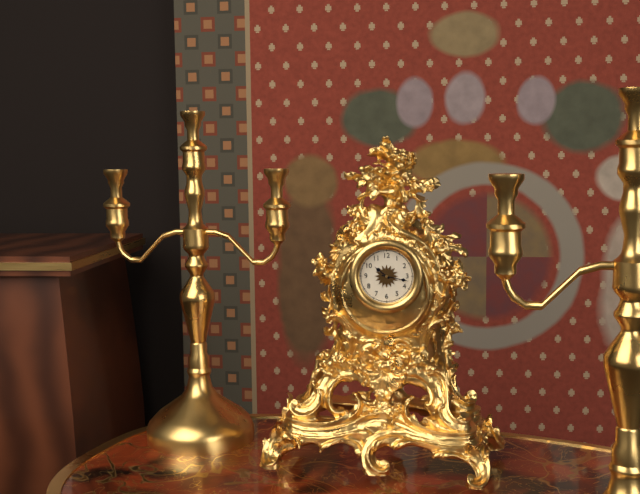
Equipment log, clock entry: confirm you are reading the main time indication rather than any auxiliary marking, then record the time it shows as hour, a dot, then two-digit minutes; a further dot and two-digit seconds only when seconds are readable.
10.17
